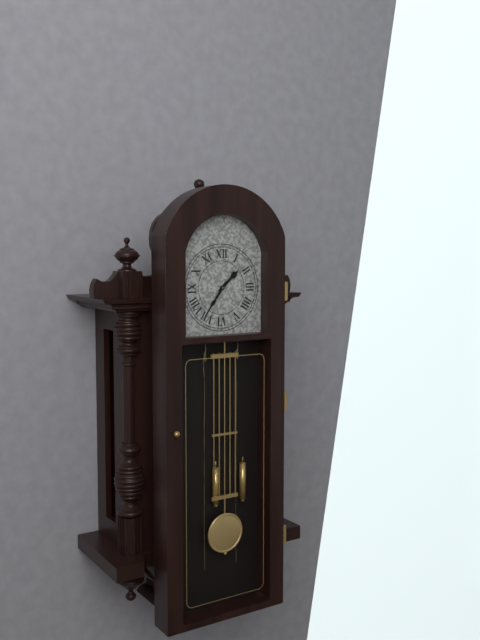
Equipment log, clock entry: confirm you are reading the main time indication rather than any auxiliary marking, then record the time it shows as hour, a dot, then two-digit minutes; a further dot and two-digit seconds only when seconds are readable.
1.36
